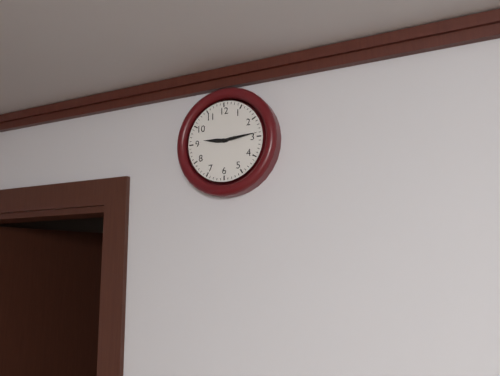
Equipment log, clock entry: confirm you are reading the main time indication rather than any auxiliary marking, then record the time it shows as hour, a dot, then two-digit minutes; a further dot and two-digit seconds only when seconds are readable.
9.14
